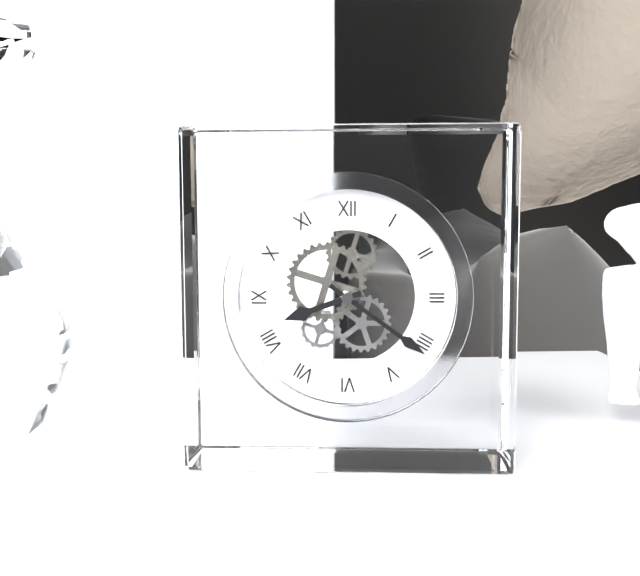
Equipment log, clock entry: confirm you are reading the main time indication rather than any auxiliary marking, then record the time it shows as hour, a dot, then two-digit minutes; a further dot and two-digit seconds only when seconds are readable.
8.21
